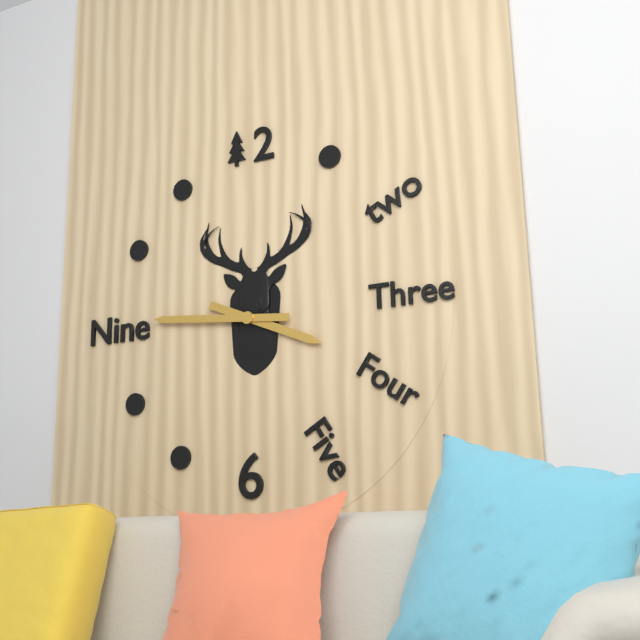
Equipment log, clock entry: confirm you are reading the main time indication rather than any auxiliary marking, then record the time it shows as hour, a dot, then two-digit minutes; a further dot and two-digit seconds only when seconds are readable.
3.46
